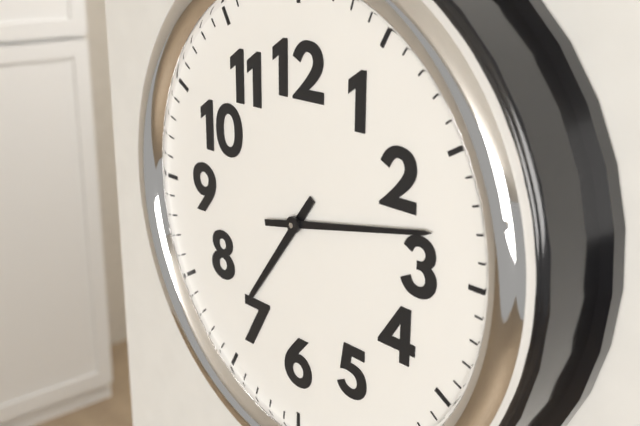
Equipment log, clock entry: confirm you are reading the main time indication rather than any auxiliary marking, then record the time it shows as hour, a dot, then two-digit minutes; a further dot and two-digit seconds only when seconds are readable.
7.13
